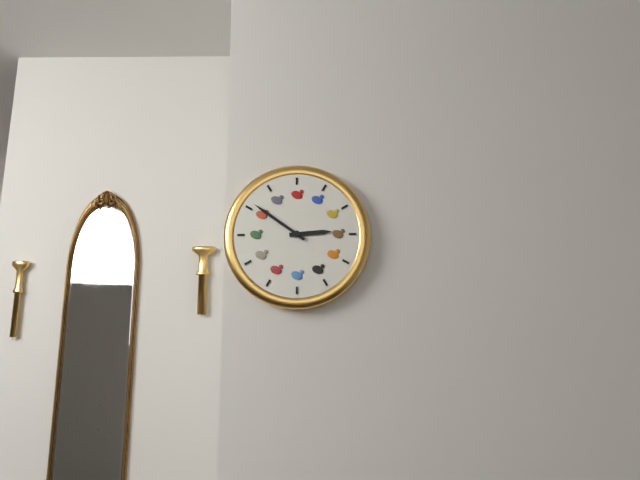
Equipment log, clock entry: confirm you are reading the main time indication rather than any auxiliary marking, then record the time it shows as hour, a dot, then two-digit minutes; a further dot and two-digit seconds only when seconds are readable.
2.51
